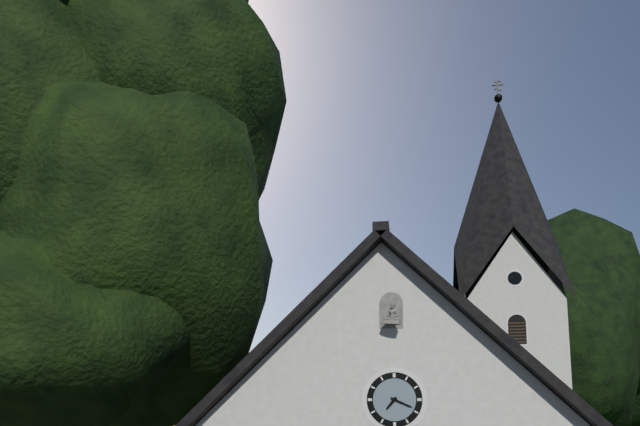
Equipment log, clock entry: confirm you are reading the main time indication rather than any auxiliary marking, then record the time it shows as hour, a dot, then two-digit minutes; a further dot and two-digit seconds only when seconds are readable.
7.19
